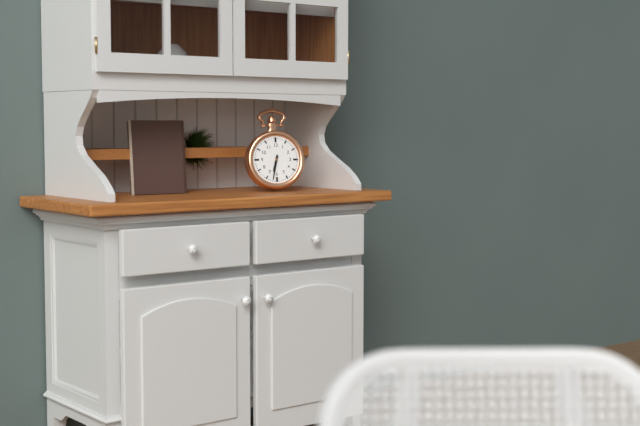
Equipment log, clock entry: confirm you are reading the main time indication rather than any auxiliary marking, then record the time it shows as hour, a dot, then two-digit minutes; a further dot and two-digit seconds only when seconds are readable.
6.32
